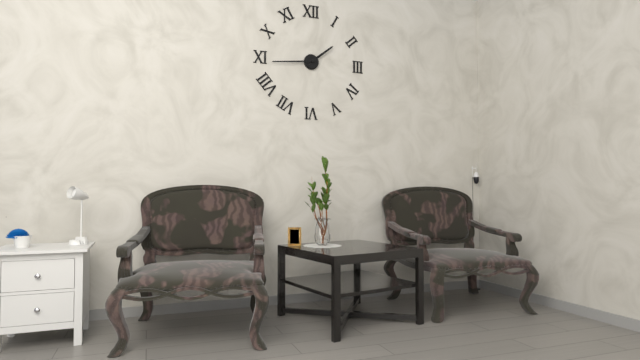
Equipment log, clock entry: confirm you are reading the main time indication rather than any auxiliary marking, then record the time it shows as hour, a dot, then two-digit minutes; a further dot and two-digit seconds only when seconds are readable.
1.44
